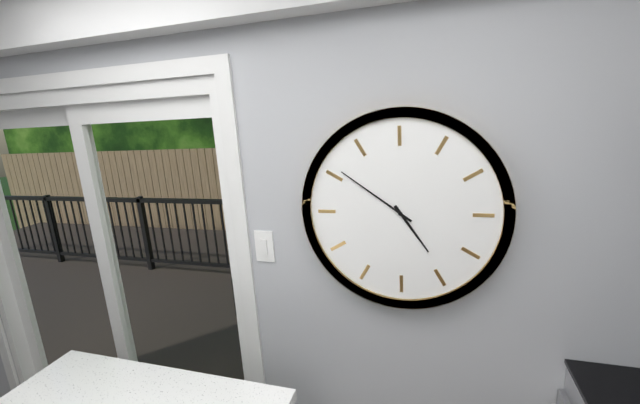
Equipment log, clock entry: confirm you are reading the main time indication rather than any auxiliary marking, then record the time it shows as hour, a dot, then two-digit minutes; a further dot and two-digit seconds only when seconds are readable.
4.51
